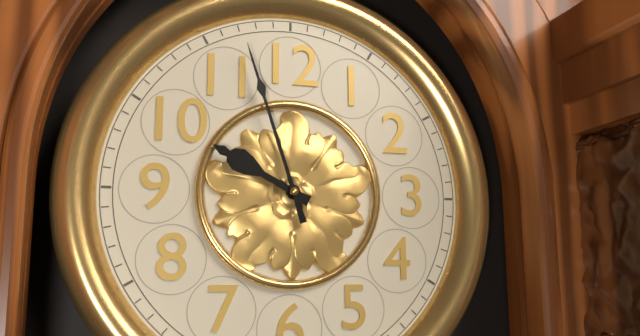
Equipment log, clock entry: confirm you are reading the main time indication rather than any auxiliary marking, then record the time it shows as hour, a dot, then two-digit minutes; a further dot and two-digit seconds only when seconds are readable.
9.57
